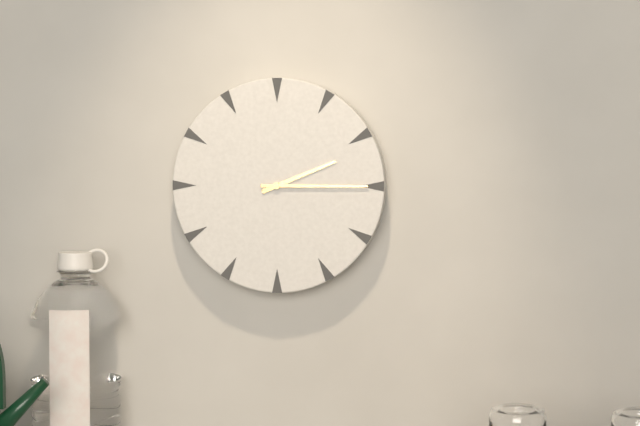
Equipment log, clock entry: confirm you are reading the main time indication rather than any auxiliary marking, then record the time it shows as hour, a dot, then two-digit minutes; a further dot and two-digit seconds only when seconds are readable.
2.15
